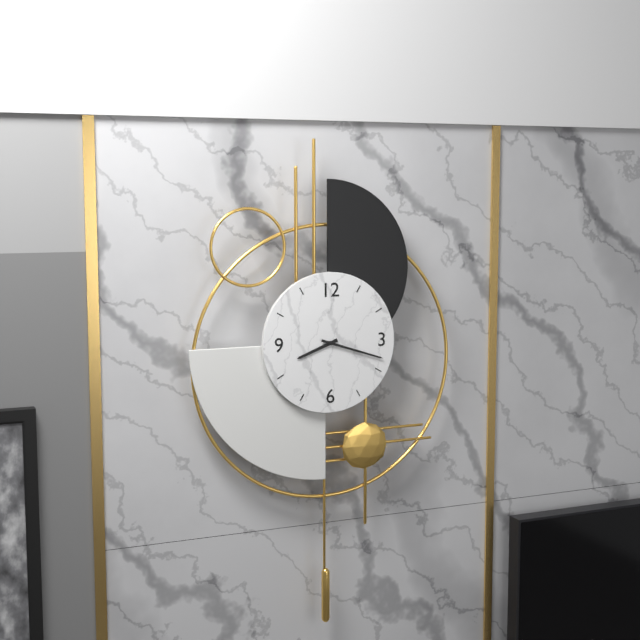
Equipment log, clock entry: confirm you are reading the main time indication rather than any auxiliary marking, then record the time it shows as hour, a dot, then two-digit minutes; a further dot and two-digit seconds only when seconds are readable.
8.18
